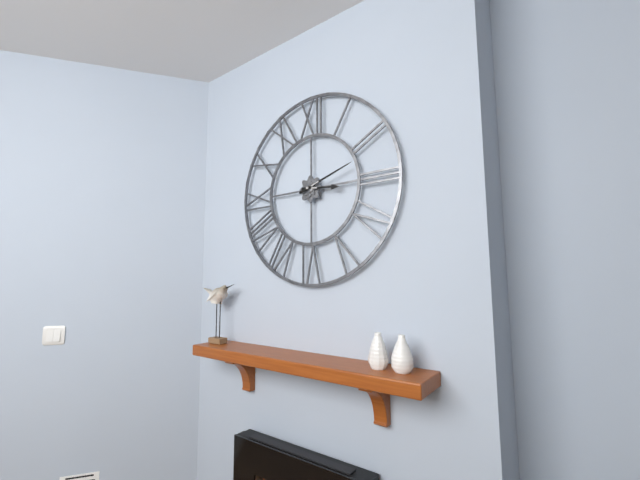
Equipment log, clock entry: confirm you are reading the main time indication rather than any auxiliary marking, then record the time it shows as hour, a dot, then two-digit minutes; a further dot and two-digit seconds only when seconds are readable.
3.12
